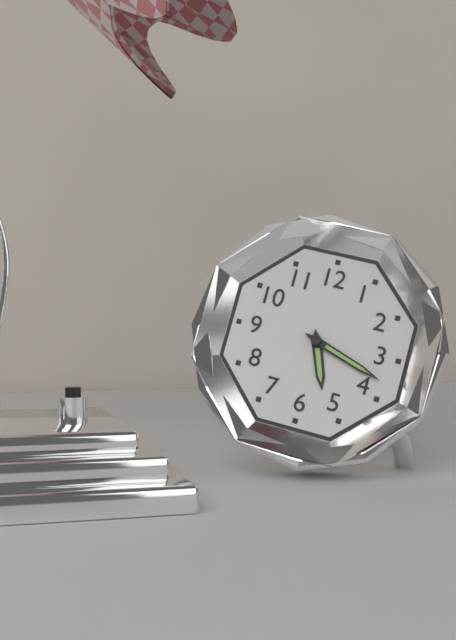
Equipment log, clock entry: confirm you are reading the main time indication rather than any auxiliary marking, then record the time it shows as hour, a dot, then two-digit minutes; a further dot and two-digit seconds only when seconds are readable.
5.18
